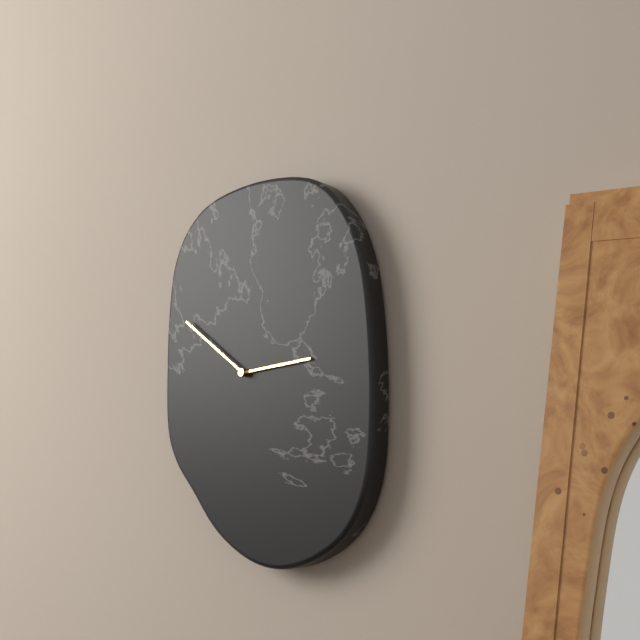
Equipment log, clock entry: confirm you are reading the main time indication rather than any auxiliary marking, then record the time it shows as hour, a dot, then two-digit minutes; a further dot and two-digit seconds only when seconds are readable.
2.51
